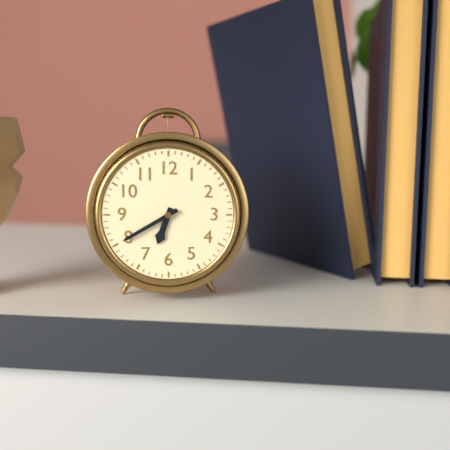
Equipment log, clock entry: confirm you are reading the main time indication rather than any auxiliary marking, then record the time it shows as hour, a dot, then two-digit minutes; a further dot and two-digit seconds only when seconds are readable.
6.40
